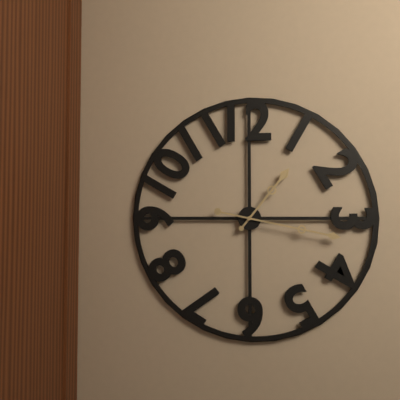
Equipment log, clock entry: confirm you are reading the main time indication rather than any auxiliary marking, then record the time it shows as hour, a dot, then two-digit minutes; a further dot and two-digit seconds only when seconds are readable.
1.17
